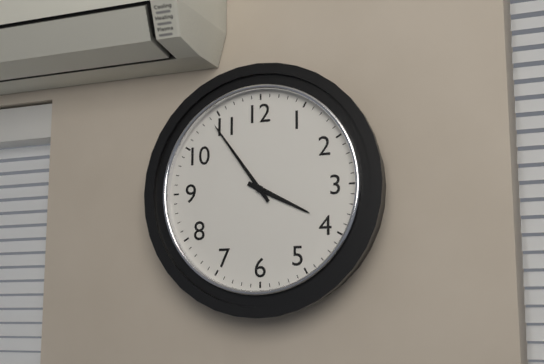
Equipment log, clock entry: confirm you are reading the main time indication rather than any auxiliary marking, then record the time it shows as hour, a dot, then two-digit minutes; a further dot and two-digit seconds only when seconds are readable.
3.54
